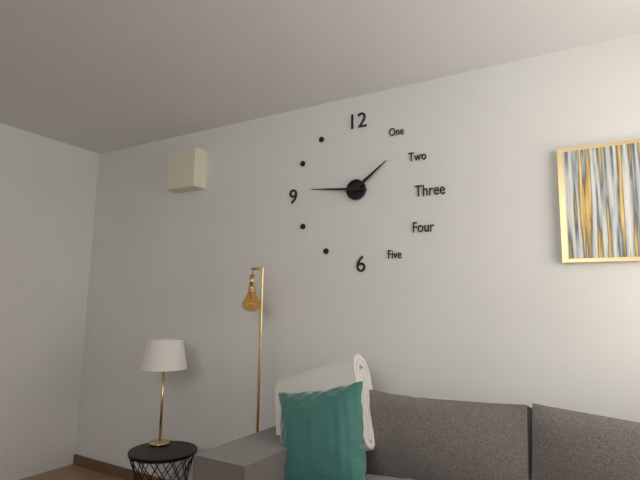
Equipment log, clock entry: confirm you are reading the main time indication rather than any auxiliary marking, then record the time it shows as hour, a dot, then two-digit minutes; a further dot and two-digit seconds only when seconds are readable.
1.46
